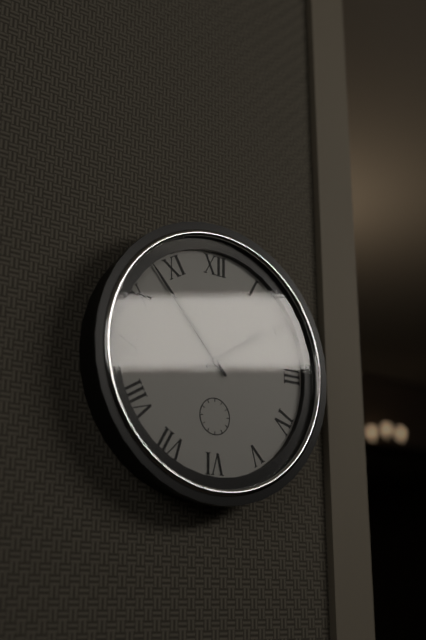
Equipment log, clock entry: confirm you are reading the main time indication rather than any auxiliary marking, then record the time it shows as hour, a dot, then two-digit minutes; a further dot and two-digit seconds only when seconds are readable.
1.53
